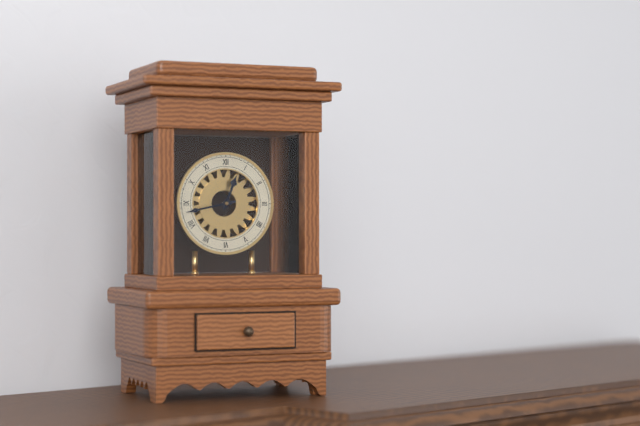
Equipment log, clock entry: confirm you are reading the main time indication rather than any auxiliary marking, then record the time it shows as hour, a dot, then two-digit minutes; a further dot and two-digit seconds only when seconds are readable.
12.43
